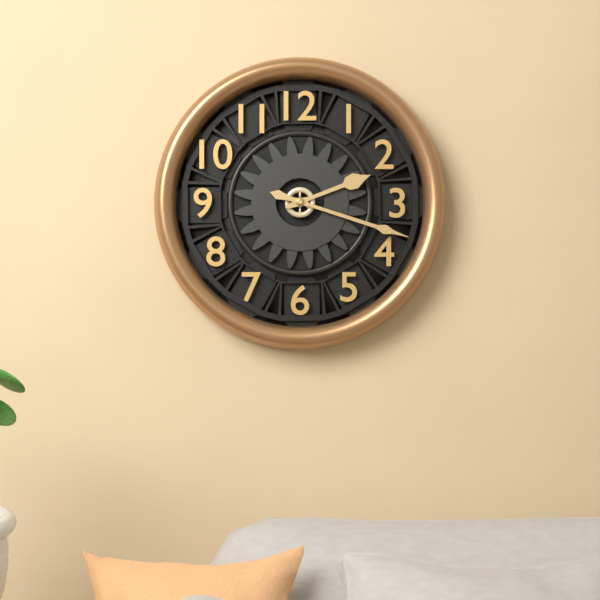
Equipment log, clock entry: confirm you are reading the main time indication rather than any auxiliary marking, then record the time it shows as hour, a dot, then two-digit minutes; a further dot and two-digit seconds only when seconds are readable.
2.18
